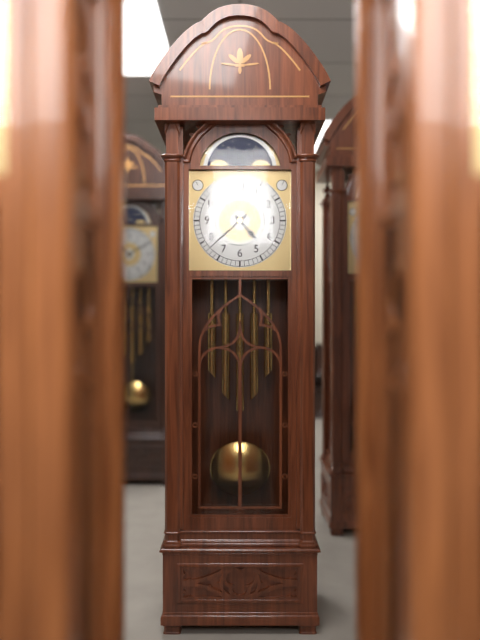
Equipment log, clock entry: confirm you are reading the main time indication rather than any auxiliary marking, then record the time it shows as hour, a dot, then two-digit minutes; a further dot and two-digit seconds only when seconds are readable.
4.38
